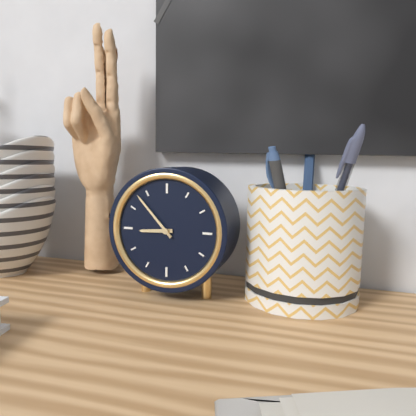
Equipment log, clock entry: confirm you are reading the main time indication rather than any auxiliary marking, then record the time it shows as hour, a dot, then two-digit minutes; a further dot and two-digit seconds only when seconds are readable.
8.53
